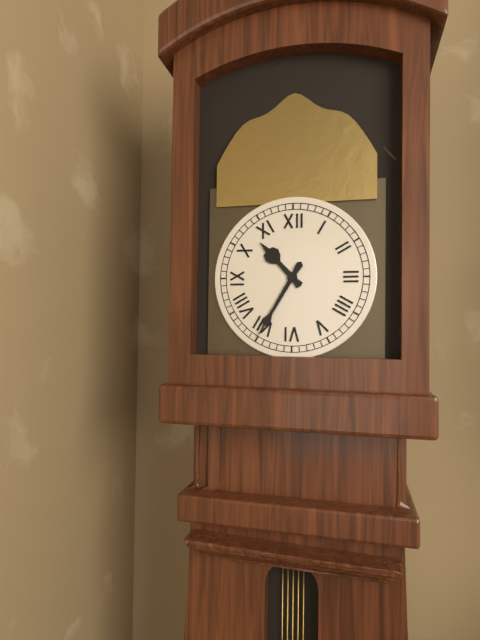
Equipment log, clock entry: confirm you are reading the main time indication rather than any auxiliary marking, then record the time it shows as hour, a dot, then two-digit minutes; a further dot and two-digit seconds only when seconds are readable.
10.35
